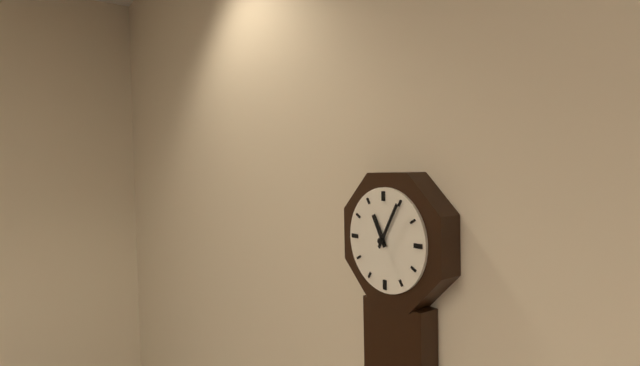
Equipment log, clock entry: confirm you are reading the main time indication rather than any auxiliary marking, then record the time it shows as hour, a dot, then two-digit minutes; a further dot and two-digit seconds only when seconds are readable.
11.05
